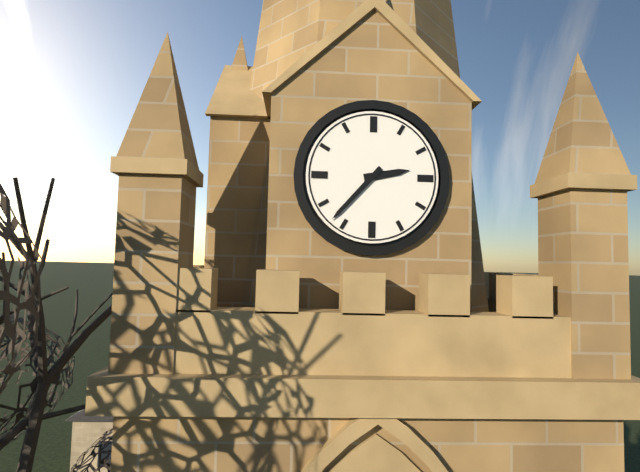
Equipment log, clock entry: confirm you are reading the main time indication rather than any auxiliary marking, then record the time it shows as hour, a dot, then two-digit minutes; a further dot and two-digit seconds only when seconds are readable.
2.37
